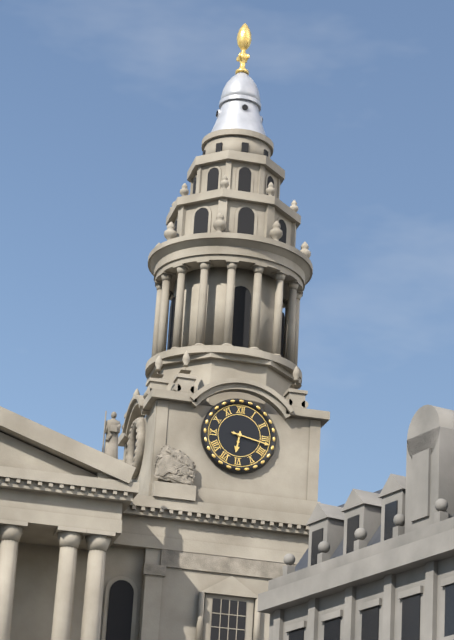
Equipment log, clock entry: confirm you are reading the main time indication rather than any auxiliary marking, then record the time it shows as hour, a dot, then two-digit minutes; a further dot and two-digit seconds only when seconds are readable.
6.17
